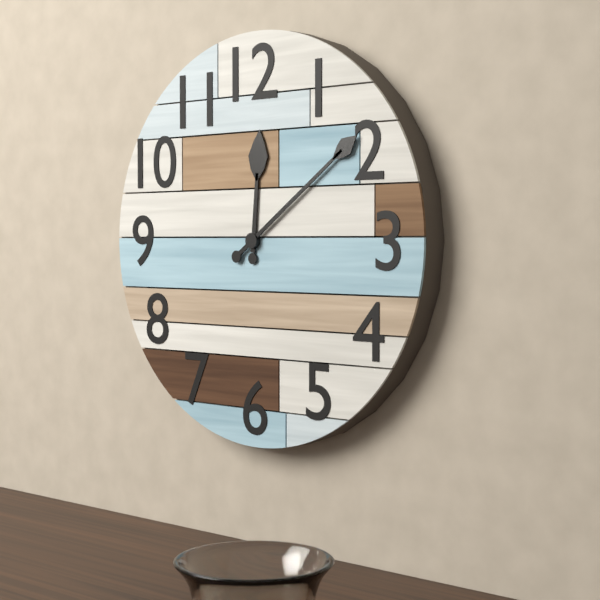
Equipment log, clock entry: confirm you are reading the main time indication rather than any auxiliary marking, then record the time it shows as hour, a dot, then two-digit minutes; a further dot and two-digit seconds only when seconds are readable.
12.09
